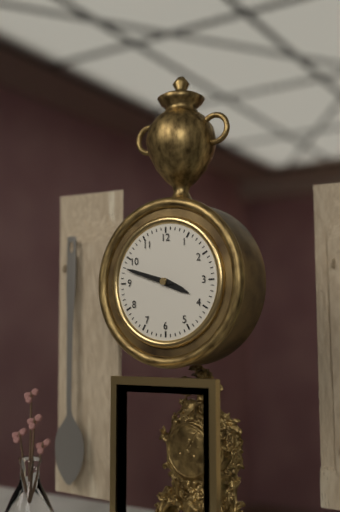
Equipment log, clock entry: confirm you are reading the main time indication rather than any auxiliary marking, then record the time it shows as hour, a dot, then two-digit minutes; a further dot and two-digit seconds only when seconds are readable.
3.48
